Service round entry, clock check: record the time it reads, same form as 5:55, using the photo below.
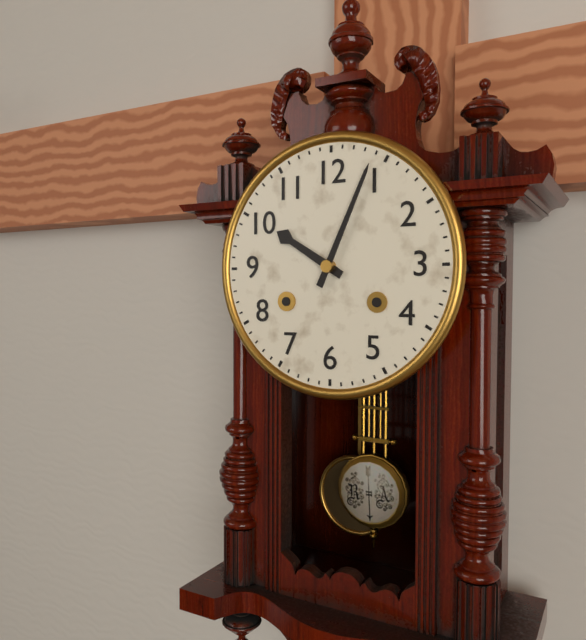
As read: 10:04
